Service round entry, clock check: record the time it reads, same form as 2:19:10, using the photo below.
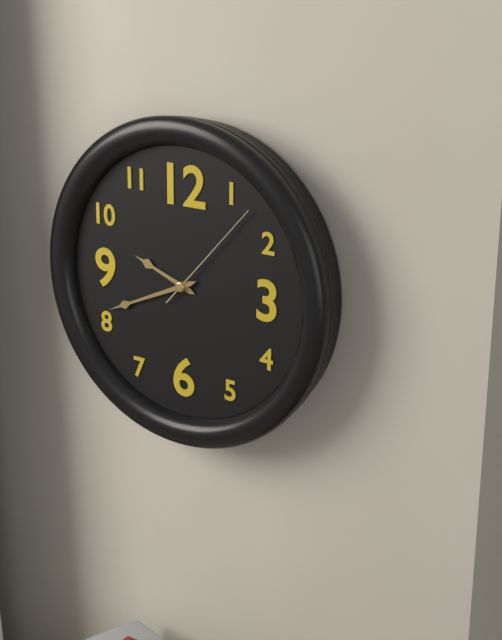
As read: 9:41:07
